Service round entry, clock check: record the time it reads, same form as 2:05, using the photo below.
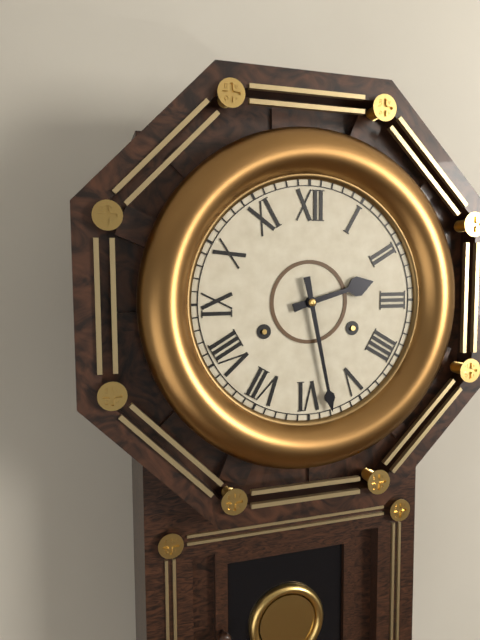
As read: 2:28
